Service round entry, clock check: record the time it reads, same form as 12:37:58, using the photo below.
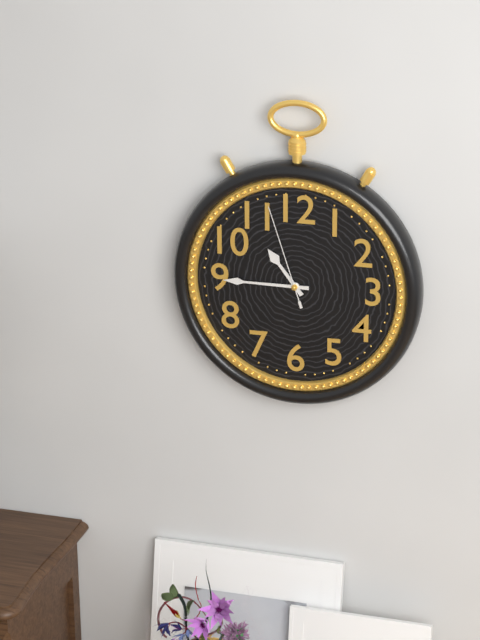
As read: 10:45:57
